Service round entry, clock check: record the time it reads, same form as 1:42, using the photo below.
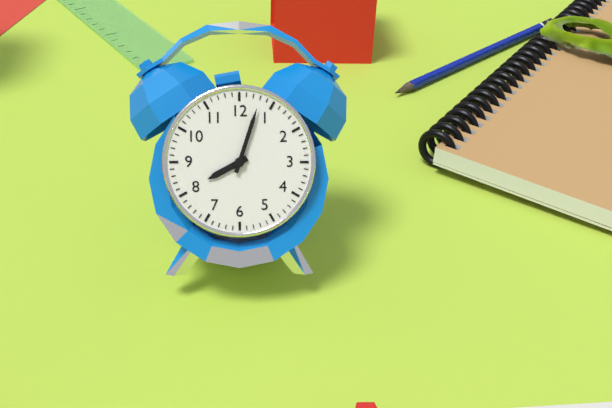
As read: 8:03
